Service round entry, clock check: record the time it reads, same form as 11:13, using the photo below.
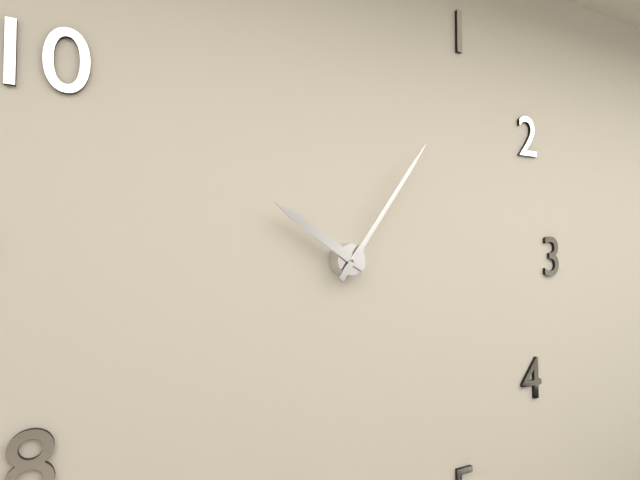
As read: 10:06
